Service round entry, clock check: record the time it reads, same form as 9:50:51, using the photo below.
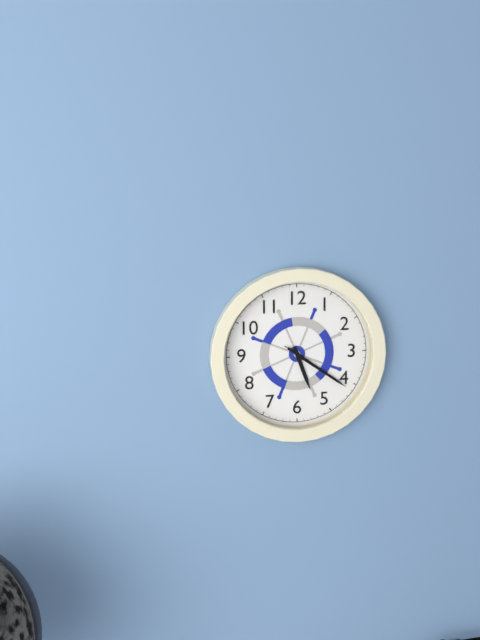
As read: 5:21:21
